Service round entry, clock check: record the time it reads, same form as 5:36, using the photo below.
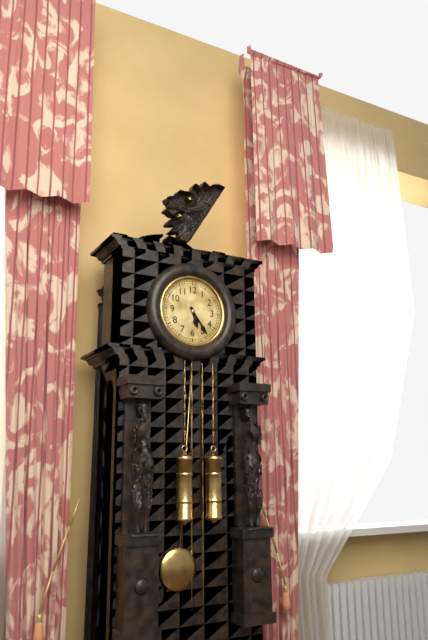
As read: 5:24
